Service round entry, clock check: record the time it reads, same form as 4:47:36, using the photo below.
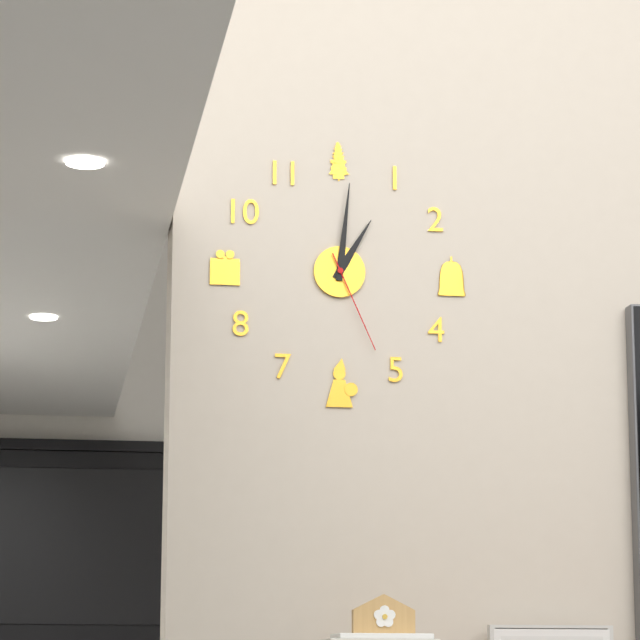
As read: 1:01:26
